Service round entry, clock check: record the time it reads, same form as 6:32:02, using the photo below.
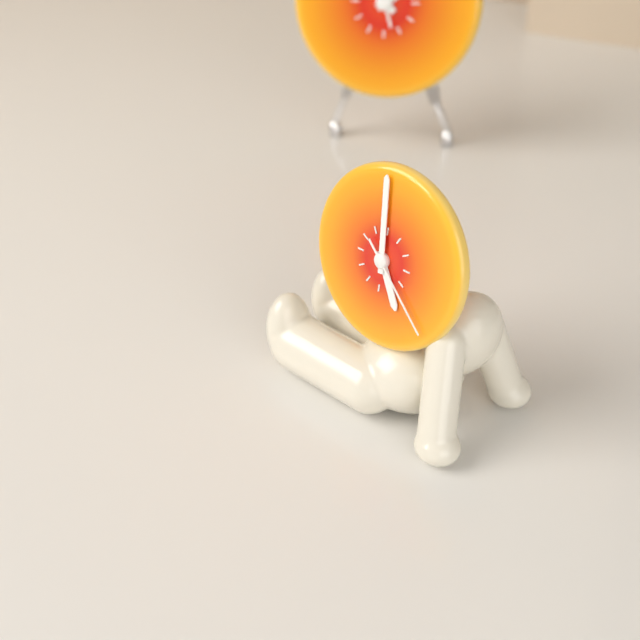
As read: 4:59:22
